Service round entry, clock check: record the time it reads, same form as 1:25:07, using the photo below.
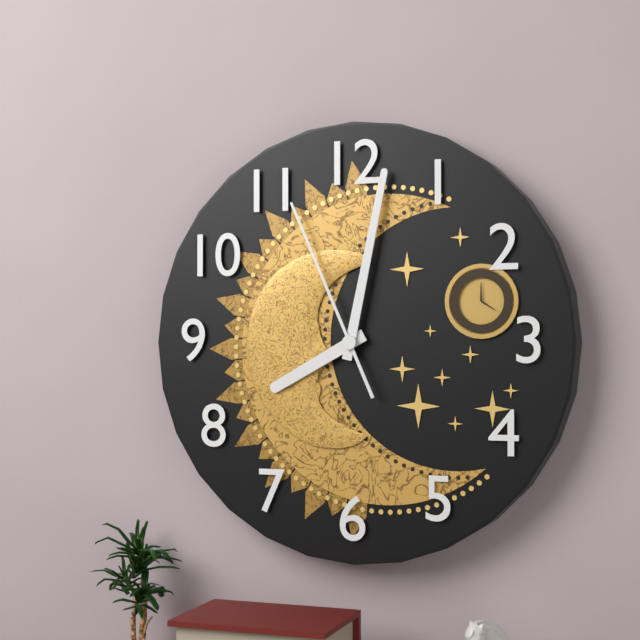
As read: 8:02:56
